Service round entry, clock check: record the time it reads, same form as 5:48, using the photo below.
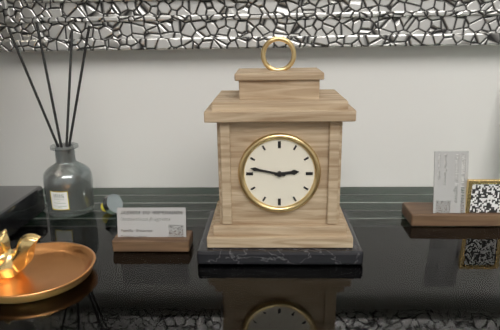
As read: 2:47
